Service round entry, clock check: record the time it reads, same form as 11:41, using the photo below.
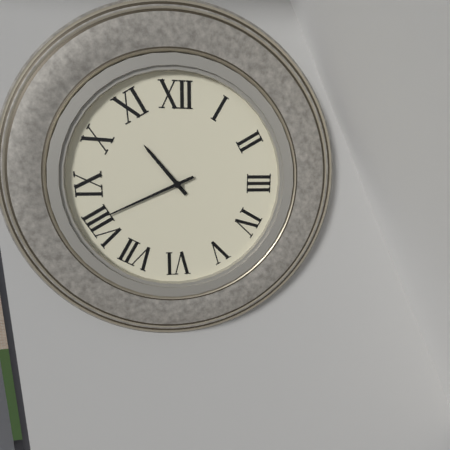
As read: 10:41
